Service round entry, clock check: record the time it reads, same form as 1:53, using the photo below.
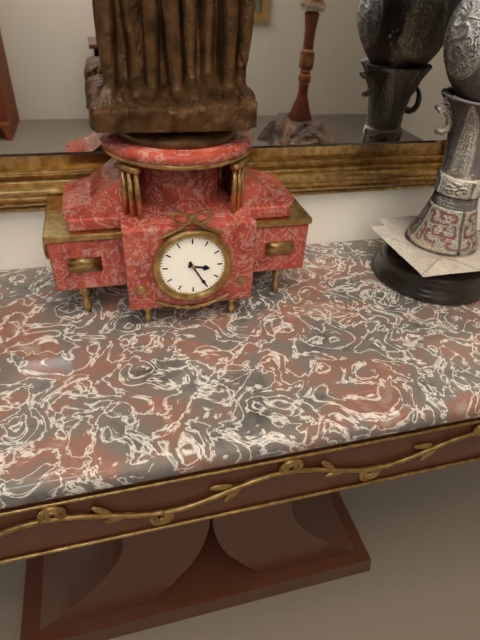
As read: 3:25
